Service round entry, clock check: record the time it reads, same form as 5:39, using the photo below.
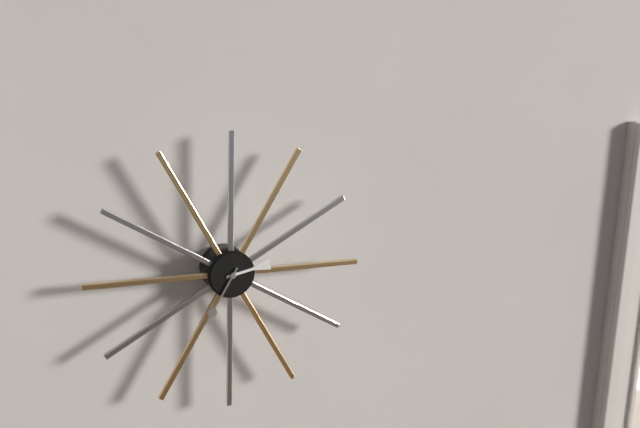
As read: 2:35
